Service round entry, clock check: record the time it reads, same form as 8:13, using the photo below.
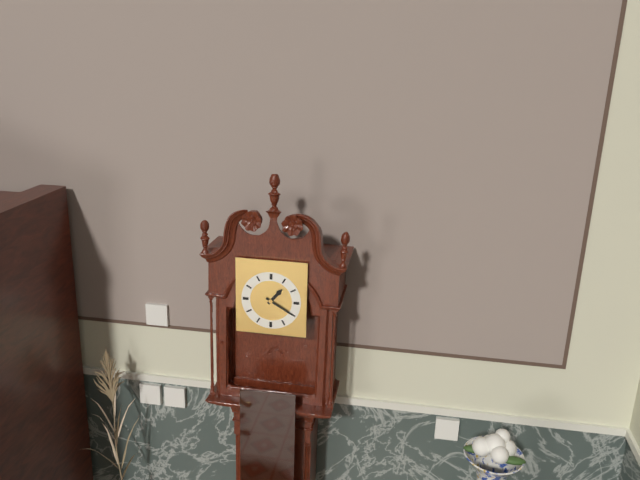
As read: 1:20
